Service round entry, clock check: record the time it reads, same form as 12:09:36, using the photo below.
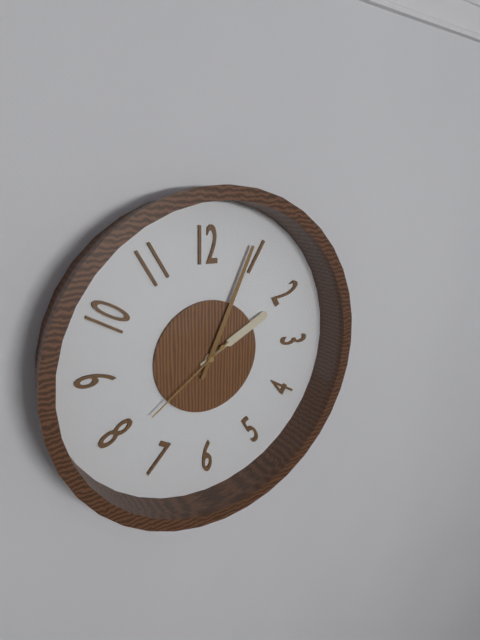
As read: 2:04:39
